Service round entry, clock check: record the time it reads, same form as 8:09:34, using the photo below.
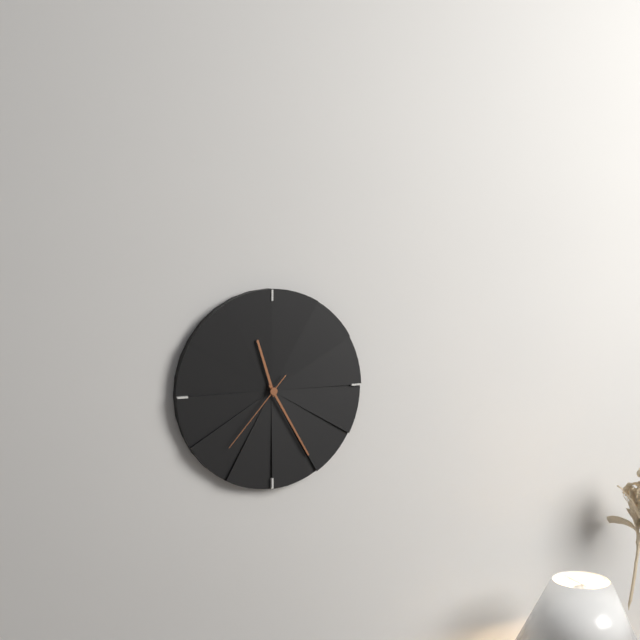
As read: 11:25:37
